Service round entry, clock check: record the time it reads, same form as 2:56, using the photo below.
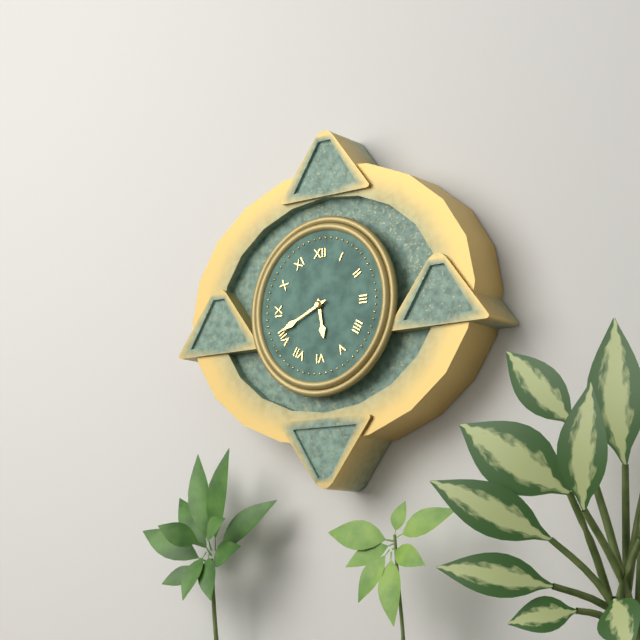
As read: 5:41
